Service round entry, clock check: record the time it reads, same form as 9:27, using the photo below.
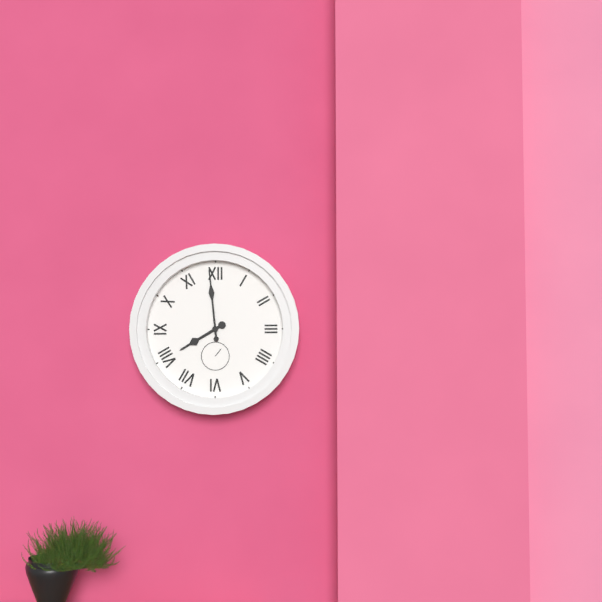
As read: 7:59
